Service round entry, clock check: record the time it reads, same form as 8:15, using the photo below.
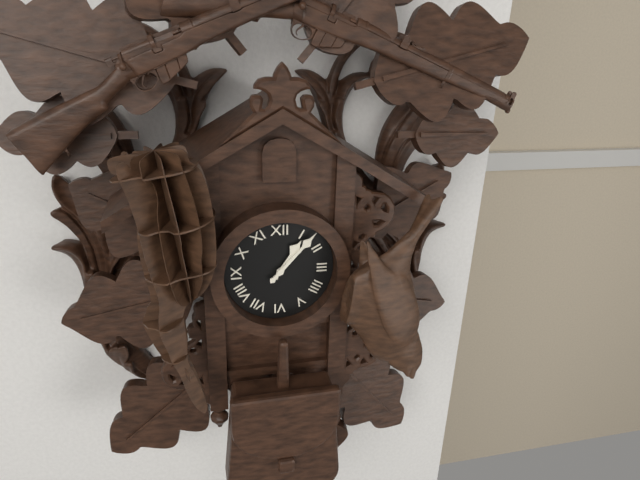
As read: 1:07
